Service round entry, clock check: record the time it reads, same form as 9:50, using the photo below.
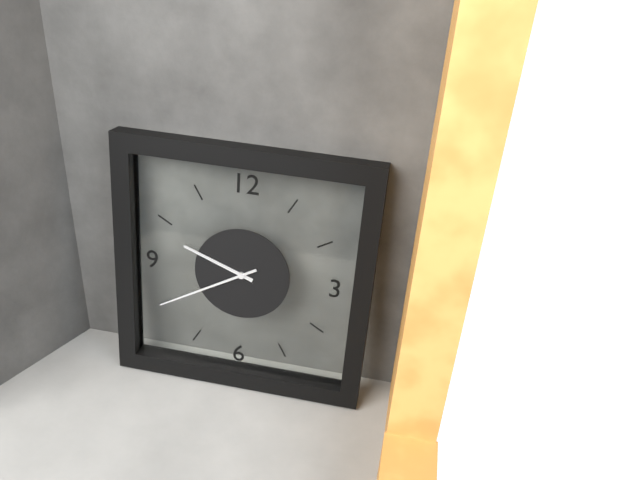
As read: 9:40
